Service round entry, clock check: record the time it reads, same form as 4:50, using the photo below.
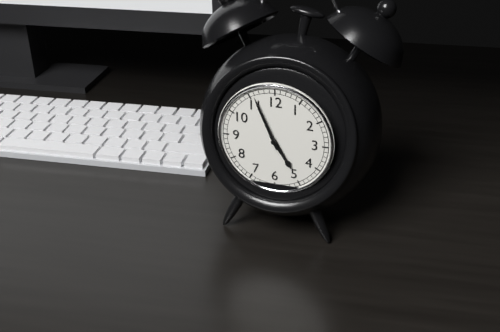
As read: 4:56
